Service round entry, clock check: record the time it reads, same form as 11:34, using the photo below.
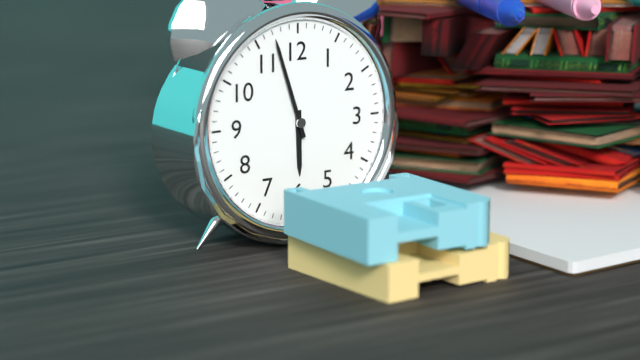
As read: 5:57
